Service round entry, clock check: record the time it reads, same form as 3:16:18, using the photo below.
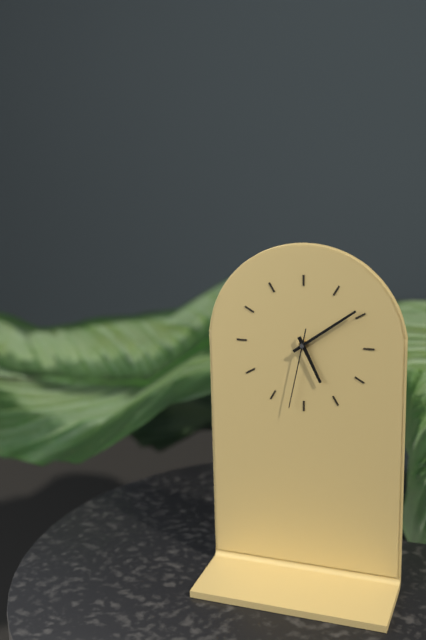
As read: 5:09:32
